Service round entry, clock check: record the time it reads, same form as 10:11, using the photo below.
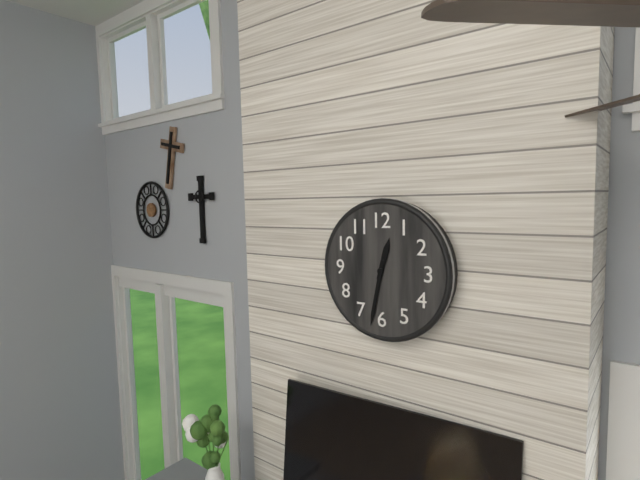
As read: 12:32
